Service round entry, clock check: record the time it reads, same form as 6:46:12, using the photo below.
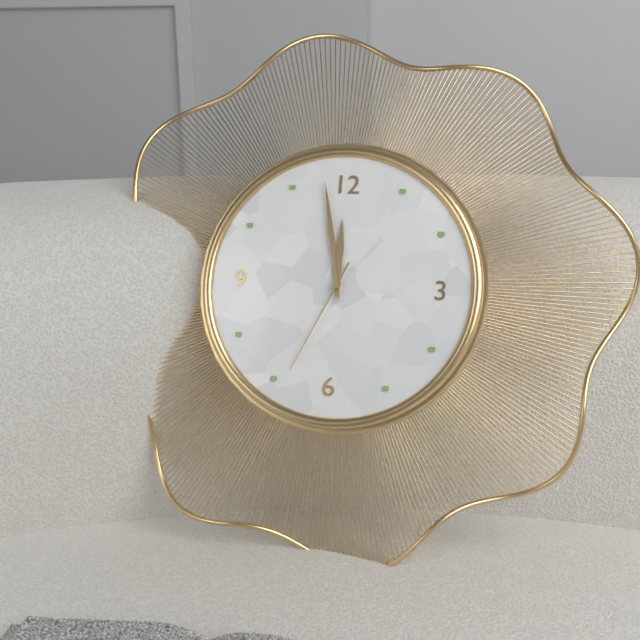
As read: 11:58:34
